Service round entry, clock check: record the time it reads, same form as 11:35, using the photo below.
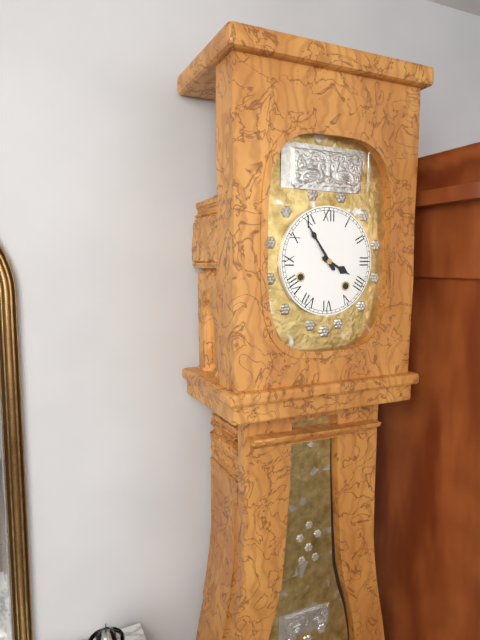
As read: 3:54
